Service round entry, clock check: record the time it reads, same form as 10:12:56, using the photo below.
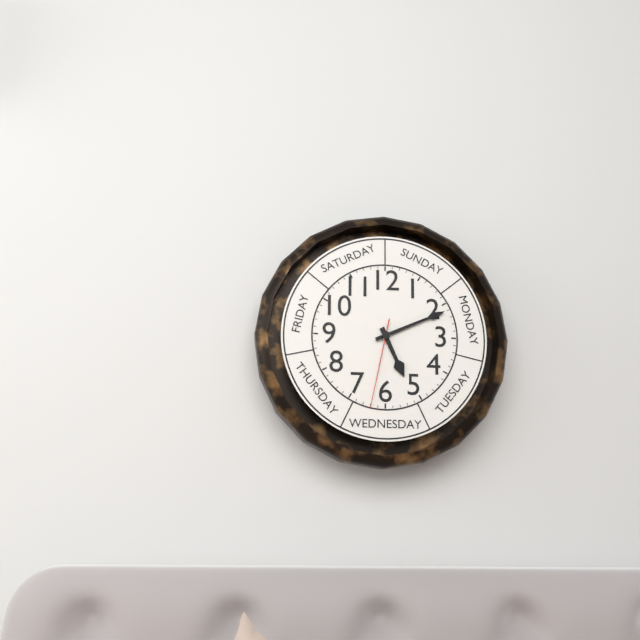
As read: 5:11:32
